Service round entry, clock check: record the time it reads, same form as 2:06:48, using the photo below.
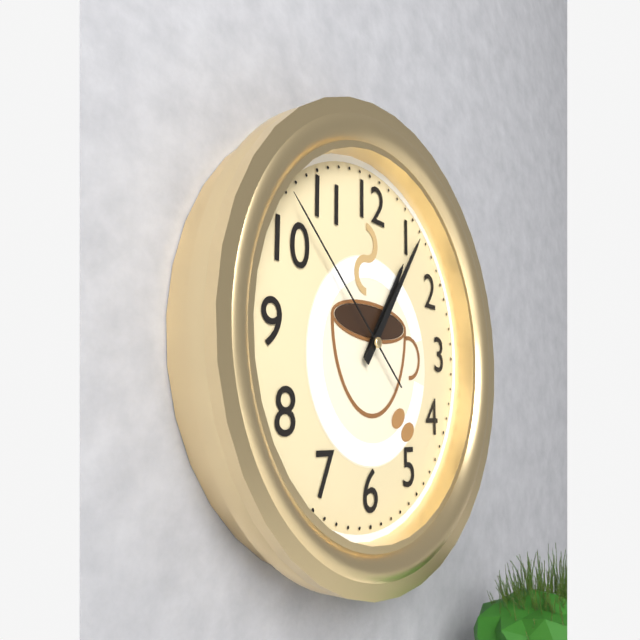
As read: 1:06:52
